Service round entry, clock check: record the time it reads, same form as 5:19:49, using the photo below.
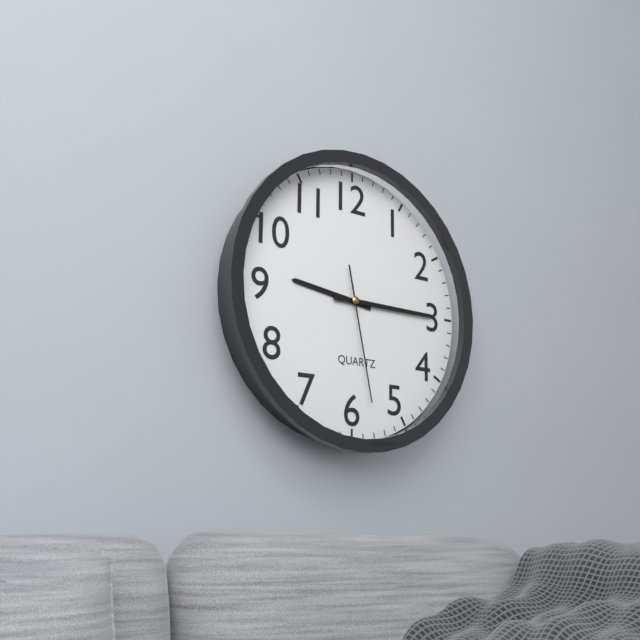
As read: 9:15:28
